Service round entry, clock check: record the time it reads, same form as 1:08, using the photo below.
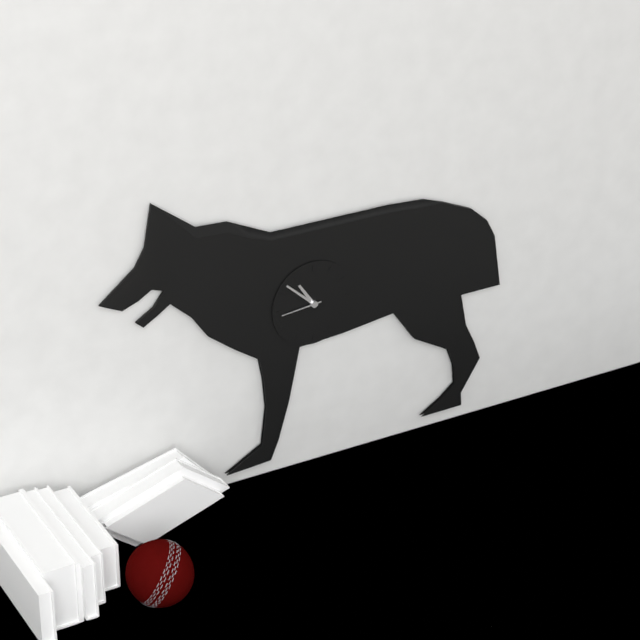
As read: 10:52
